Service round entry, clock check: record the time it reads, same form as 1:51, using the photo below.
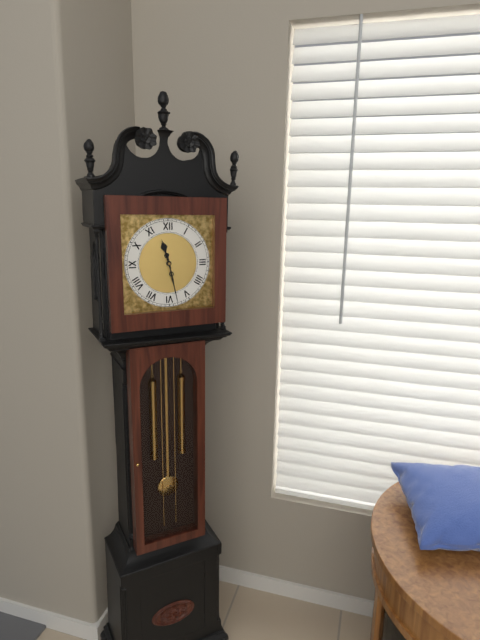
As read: 11:28
